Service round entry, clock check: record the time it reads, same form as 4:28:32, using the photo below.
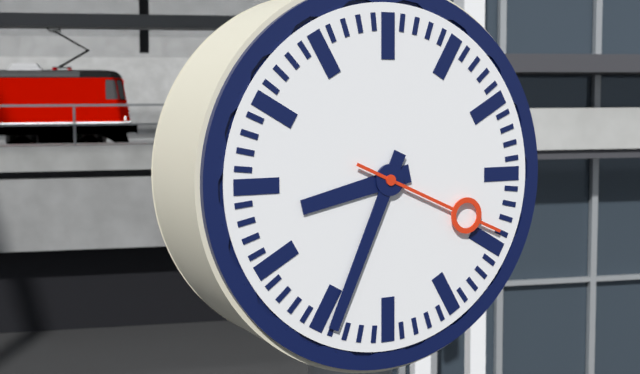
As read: 8:34:19
